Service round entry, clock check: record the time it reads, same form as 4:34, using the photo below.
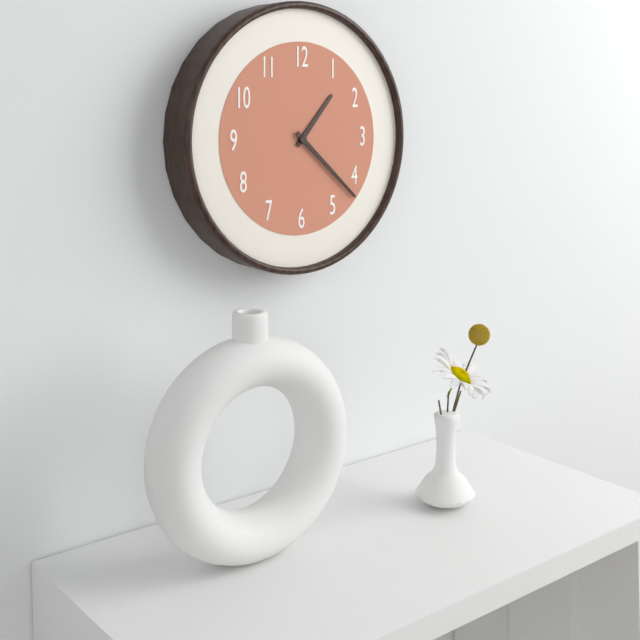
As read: 1:22
